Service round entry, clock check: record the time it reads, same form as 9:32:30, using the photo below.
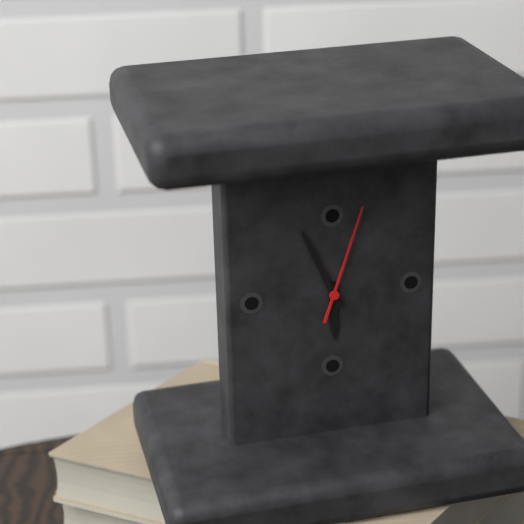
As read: 5:56:03
